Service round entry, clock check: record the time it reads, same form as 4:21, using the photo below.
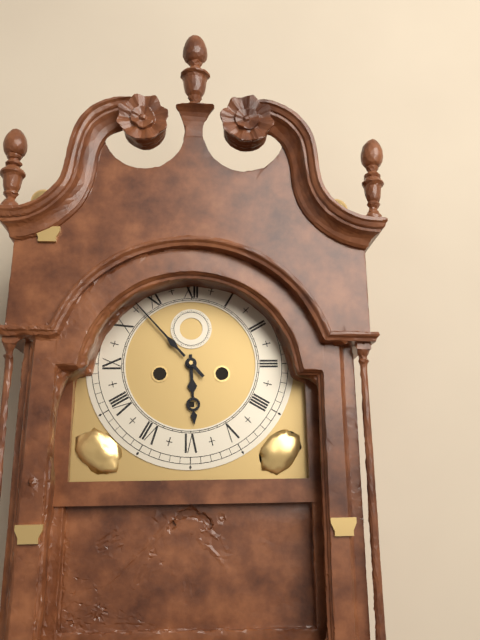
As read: 5:53
